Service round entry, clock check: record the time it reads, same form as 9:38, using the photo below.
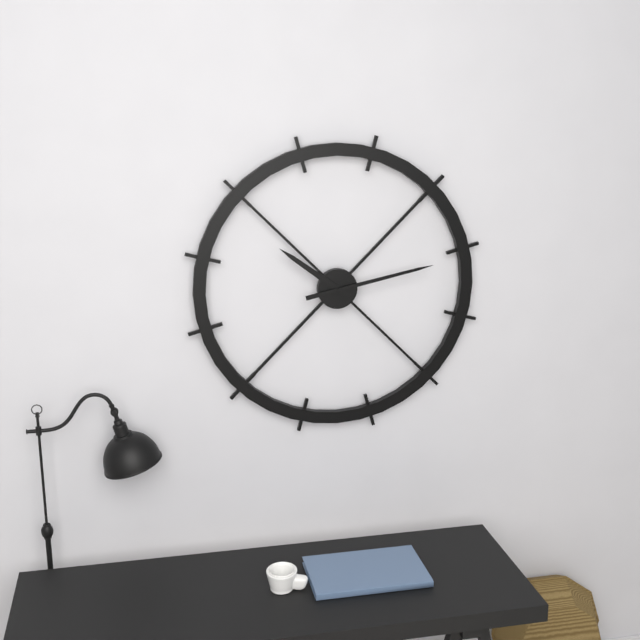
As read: 10:13
